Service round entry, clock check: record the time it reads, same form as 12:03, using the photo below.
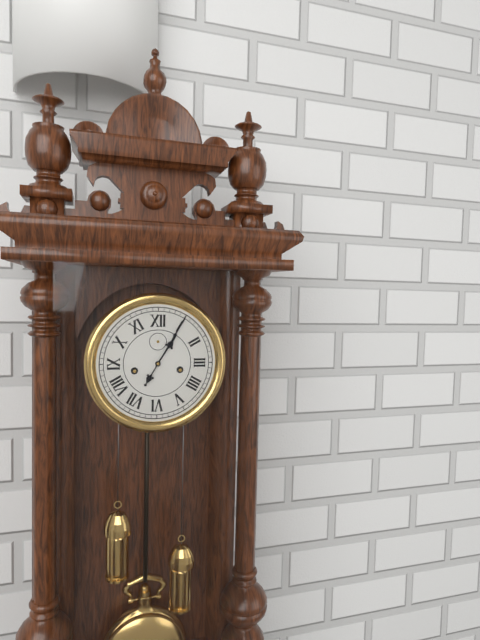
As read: 1:05
